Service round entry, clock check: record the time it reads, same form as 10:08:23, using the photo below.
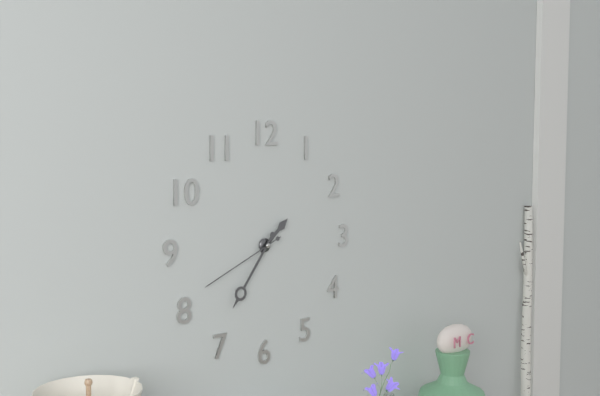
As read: 1:36:41
